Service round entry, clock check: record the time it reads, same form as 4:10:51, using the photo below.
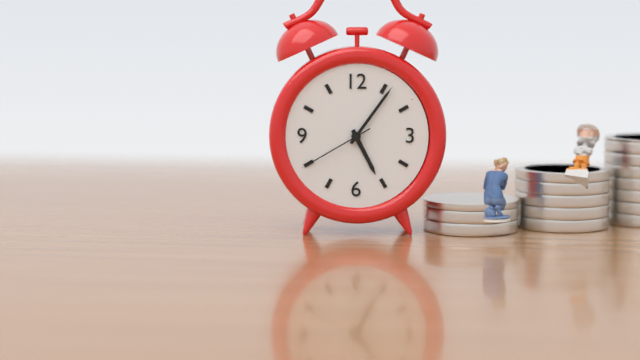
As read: 5:06:40
